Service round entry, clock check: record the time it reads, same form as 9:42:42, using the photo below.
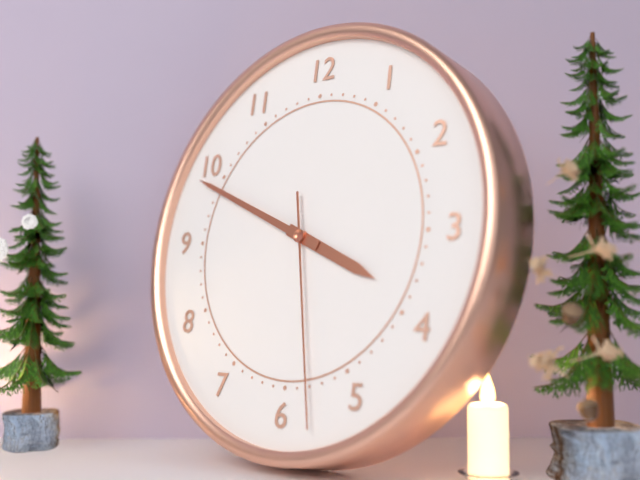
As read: 3:49:28
